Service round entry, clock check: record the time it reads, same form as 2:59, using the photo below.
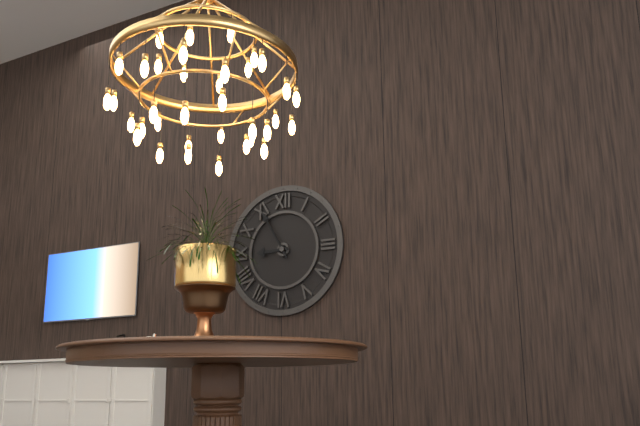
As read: 8:55
